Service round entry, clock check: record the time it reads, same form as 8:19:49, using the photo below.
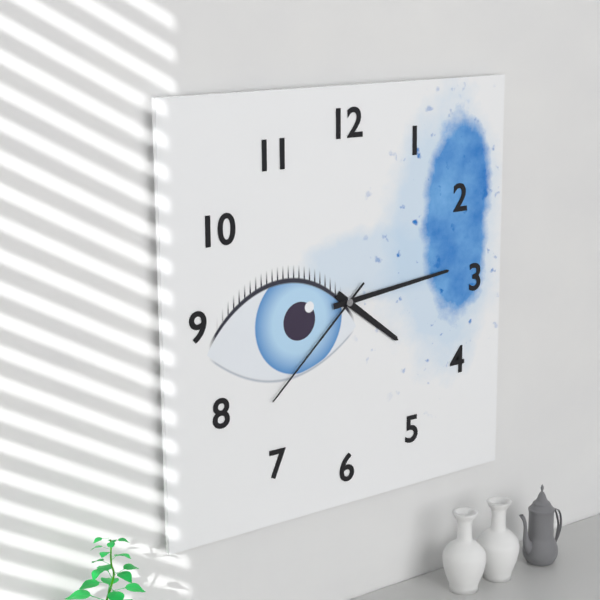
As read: 4:14:38
